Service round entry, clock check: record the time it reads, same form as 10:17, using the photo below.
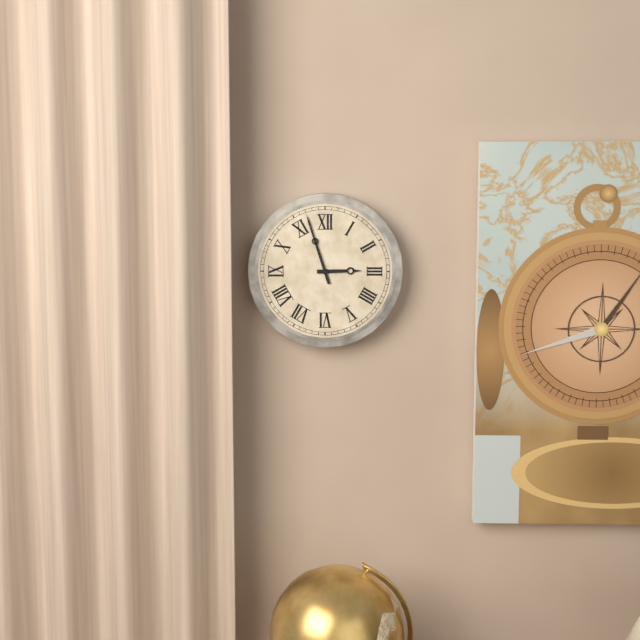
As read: 2:57
